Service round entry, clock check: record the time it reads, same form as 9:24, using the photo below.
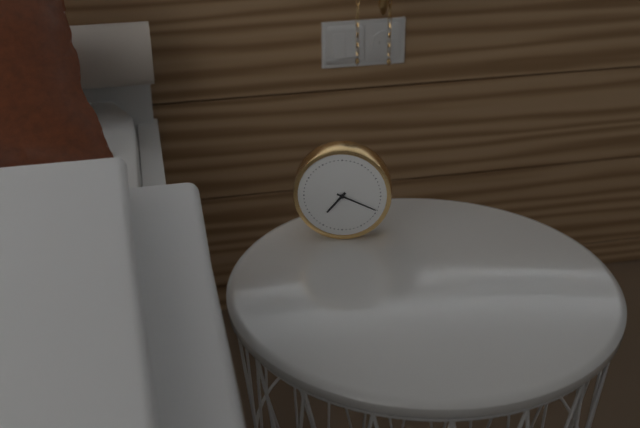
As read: 7:19
